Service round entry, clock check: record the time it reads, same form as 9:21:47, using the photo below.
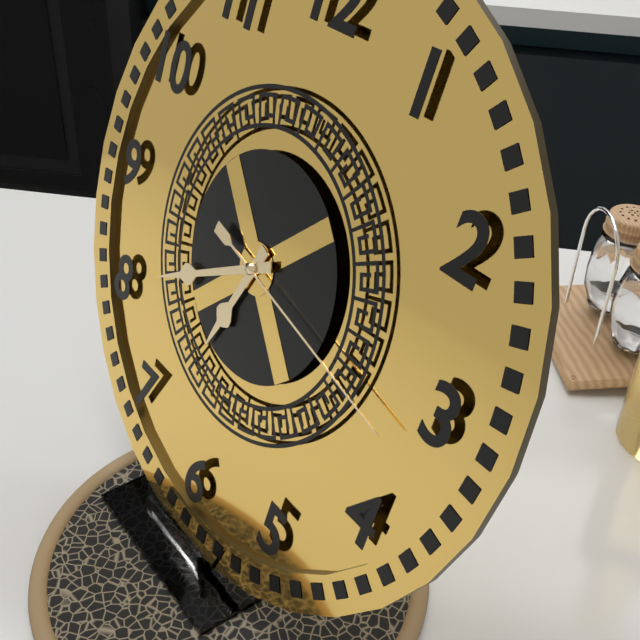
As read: 6:40:17
